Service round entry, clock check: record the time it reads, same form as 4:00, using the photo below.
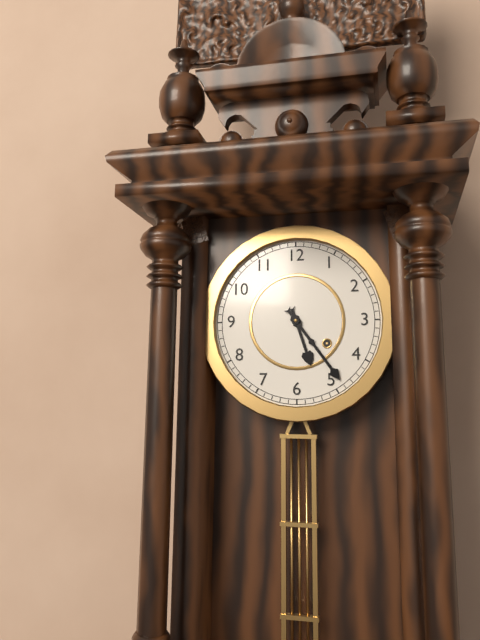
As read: 5:24
